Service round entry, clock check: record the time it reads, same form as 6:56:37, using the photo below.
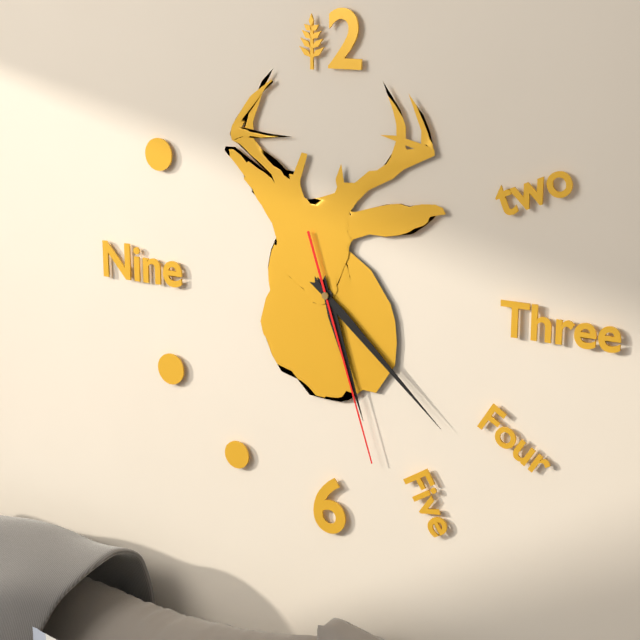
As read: 5:22:27
